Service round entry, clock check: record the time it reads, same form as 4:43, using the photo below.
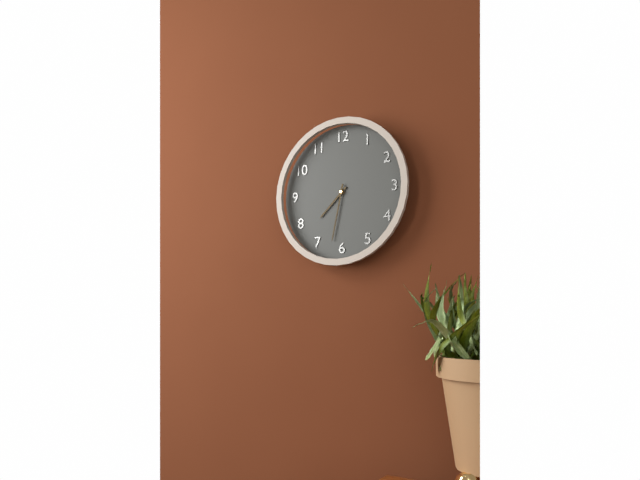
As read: 7:32
